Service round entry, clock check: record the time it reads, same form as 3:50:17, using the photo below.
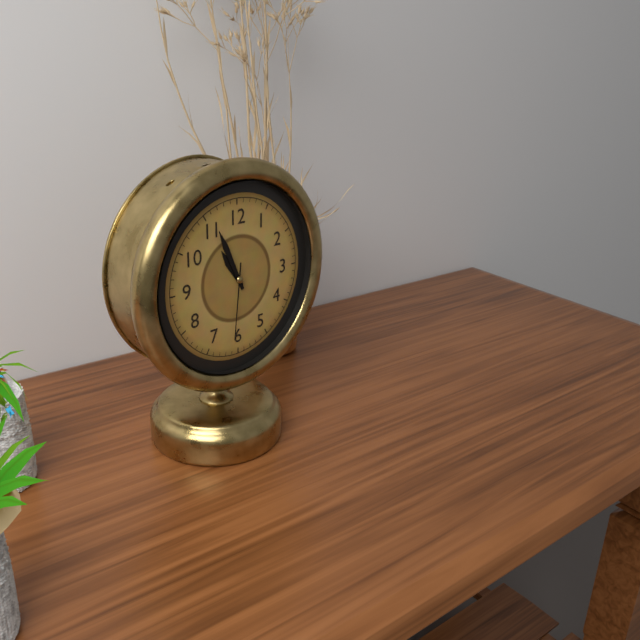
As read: 10:56:31
